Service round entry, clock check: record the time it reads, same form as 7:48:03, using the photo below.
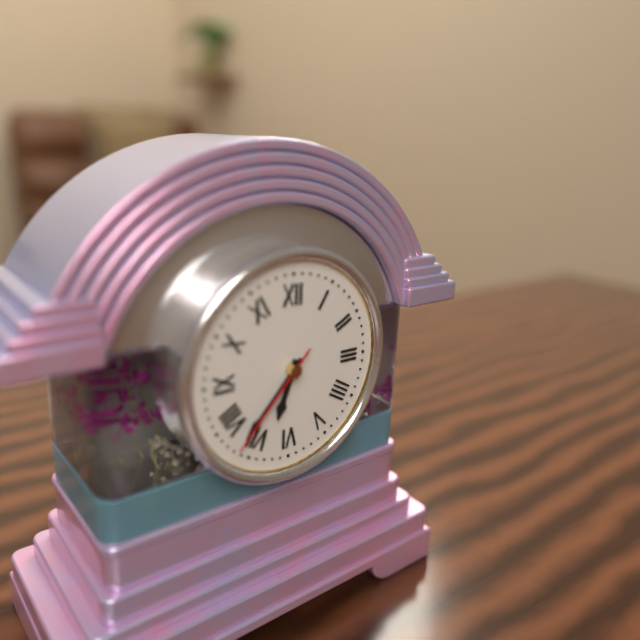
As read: 6:37:37
